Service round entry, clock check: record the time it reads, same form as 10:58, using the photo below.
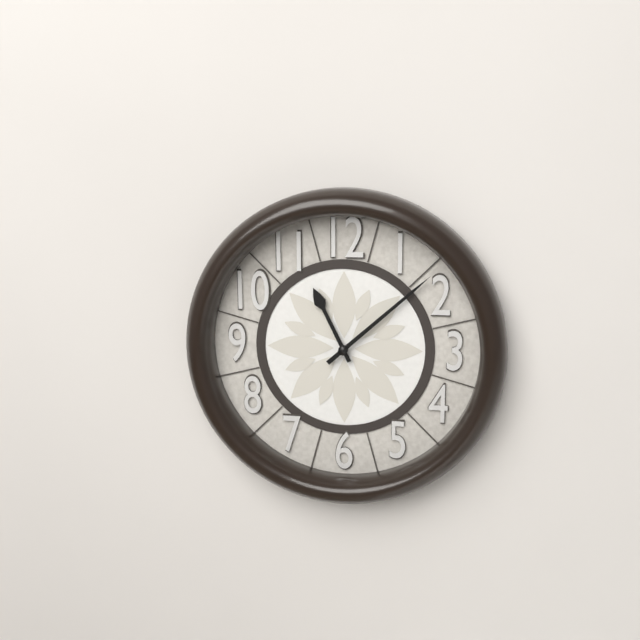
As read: 11:08
